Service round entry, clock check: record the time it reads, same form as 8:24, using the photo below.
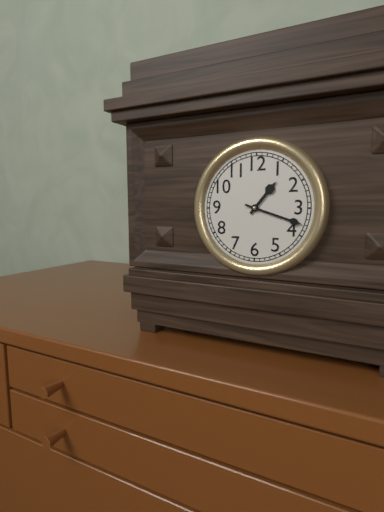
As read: 1:18
